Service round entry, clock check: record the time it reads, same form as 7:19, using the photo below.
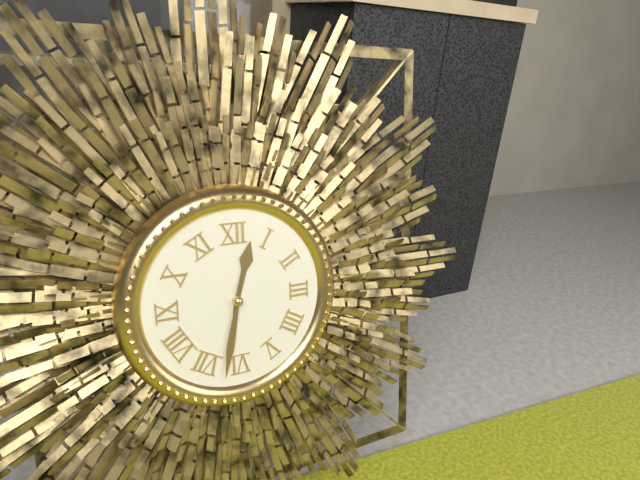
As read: 12:32
